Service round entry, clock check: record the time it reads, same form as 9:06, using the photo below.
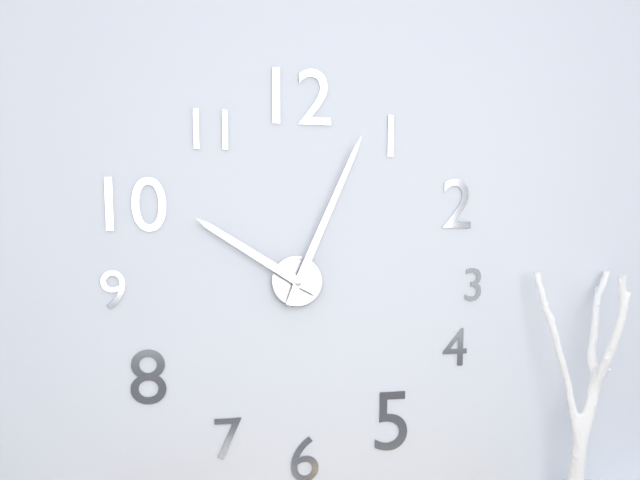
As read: 10:04
